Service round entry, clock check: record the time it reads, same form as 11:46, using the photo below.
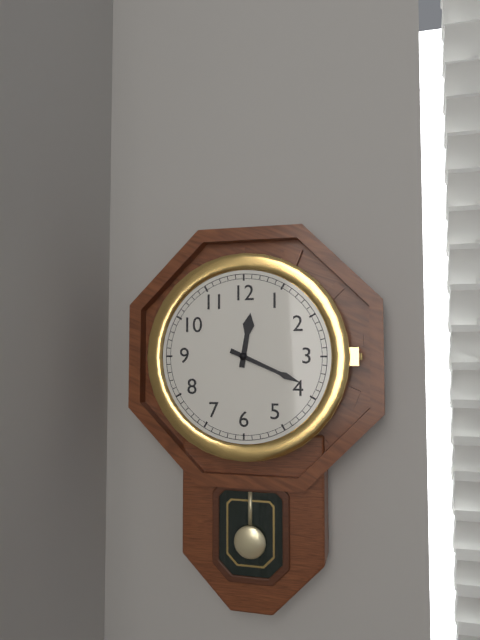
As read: 12:19
